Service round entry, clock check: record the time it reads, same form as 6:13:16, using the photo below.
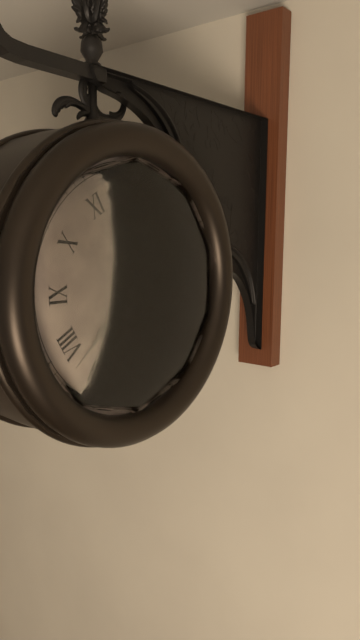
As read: 4:38:12
